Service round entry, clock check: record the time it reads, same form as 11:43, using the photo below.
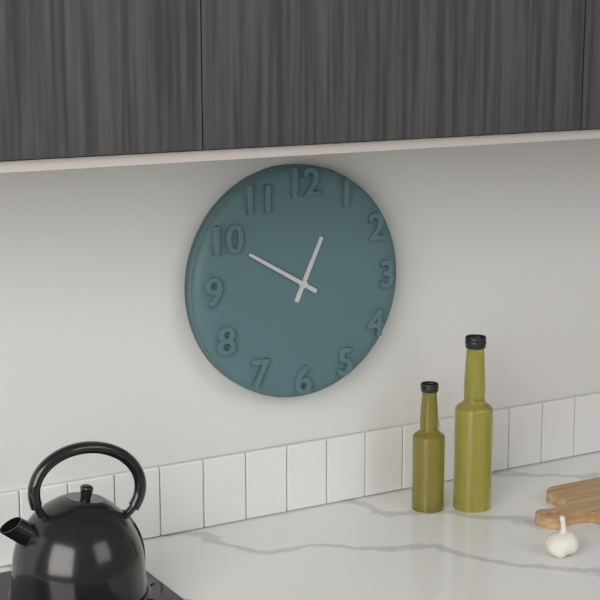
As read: 12:50
